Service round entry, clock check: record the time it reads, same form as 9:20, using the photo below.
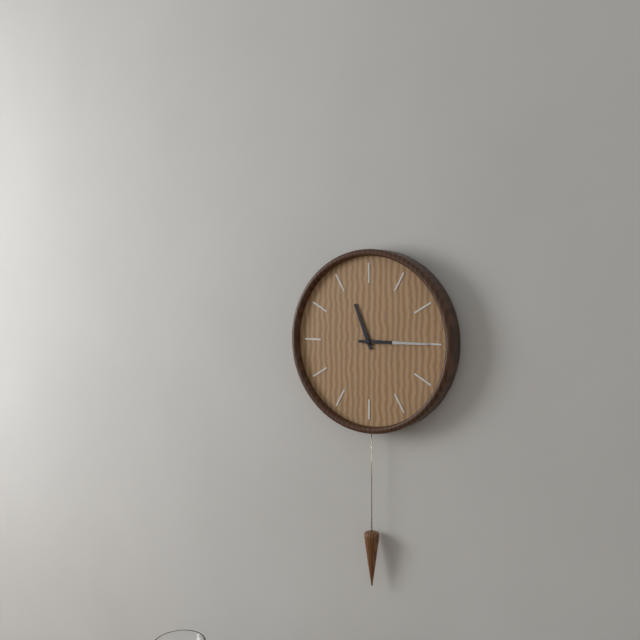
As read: 11:15
